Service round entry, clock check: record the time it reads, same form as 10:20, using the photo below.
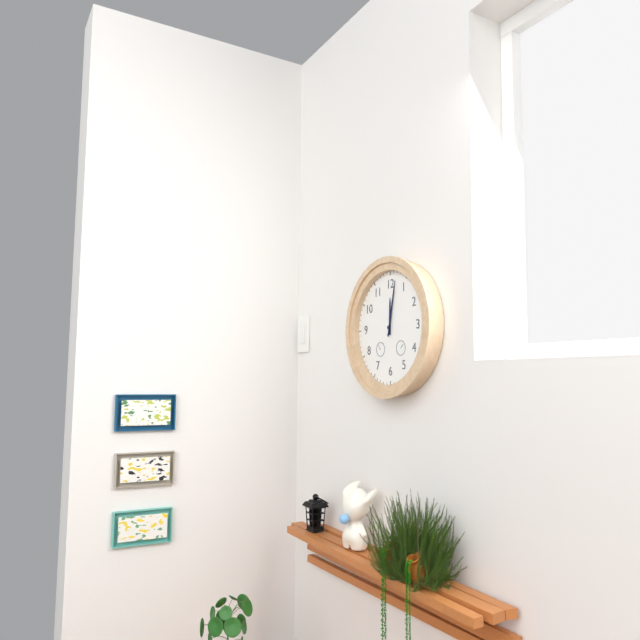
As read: 12:02
